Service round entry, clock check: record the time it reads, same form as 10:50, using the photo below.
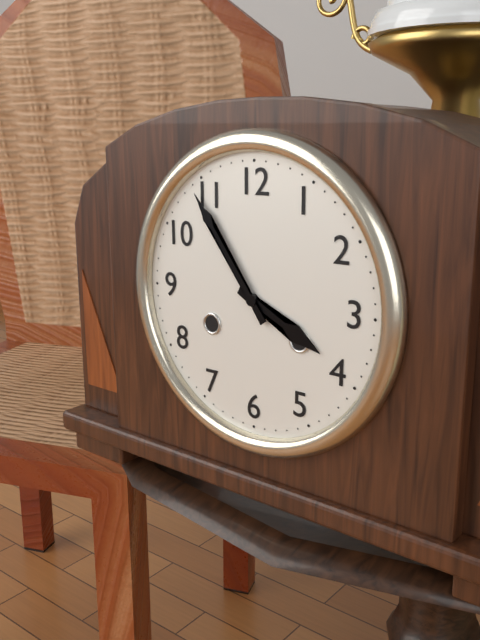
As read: 3:54
